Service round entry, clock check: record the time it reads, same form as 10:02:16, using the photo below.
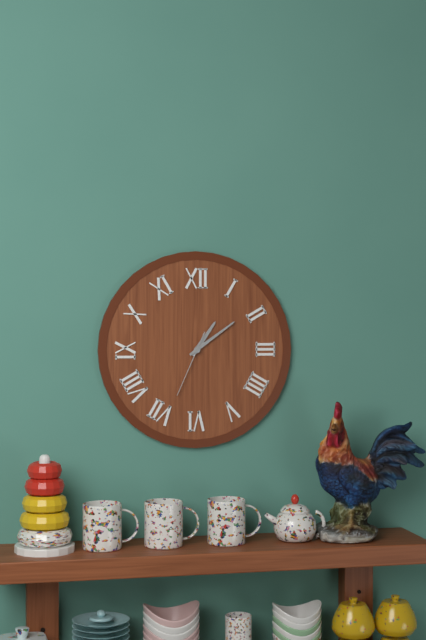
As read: 1:09:34
